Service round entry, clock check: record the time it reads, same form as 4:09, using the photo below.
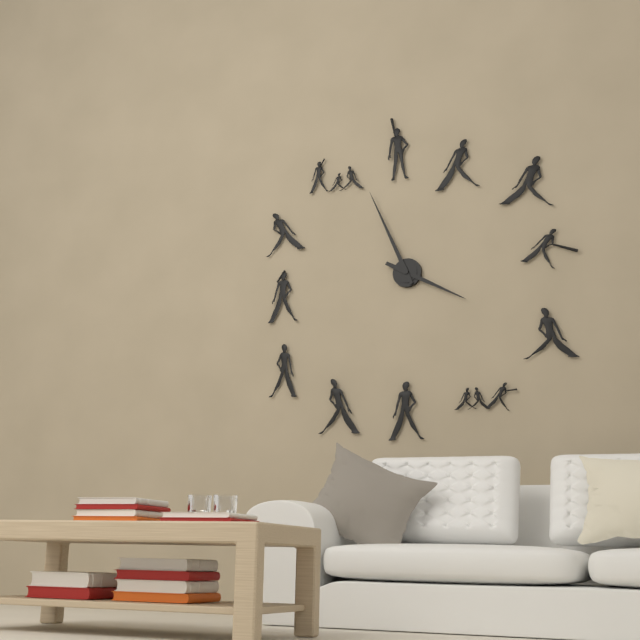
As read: 3:56
